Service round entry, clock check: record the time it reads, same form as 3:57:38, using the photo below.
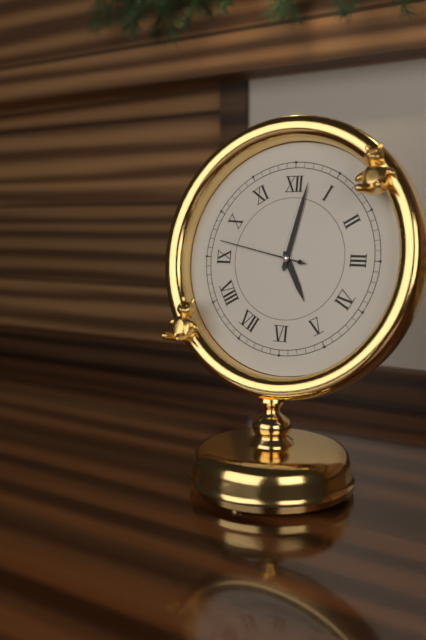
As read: 5:02:47
